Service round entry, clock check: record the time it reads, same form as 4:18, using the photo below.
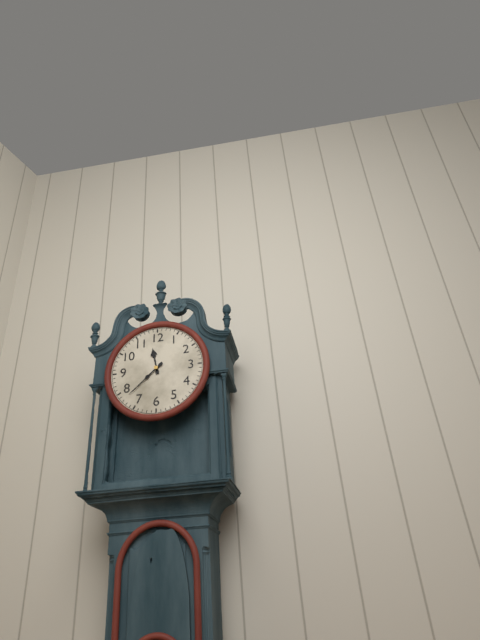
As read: 11:38
